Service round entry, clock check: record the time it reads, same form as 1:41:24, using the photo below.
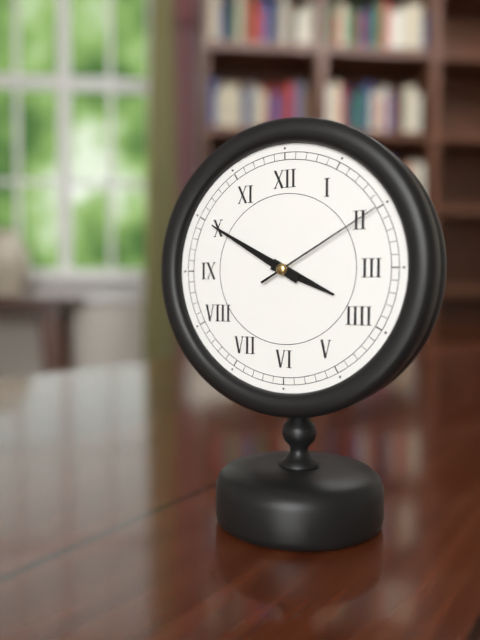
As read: 3:50:10
